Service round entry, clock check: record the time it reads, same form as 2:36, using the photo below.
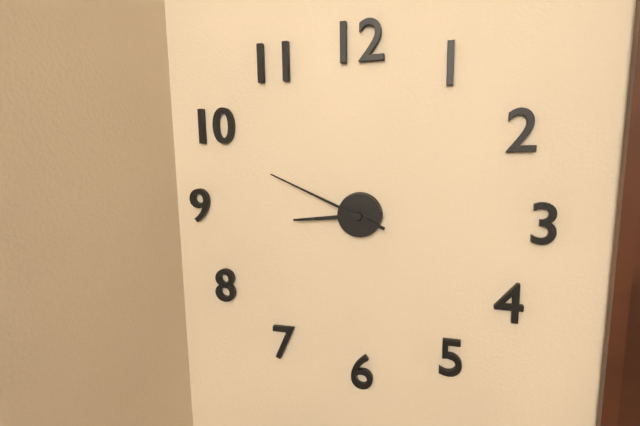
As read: 8:49
